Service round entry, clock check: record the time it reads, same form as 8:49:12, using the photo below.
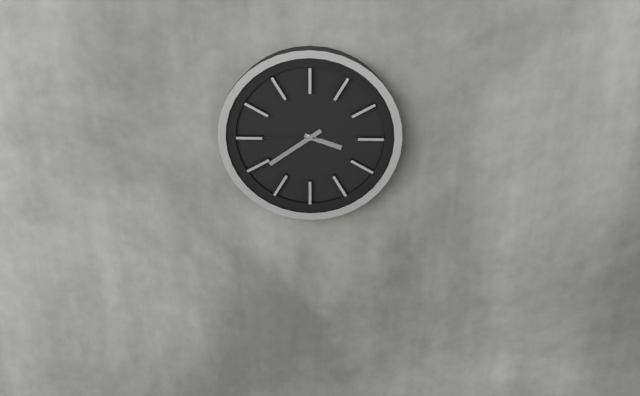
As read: 3:39:45
